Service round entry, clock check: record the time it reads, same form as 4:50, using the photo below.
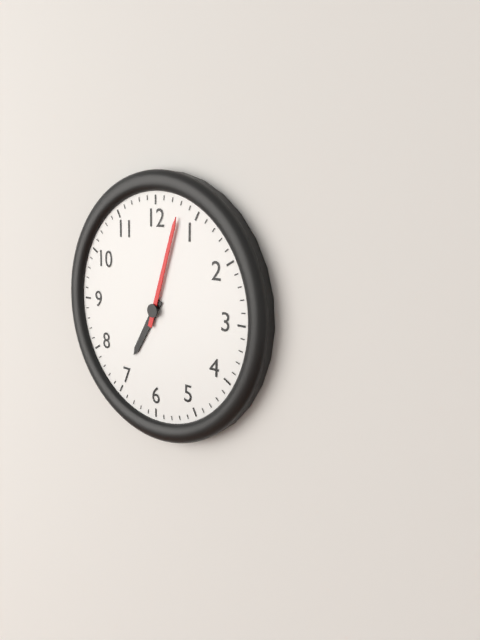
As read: 7:03
